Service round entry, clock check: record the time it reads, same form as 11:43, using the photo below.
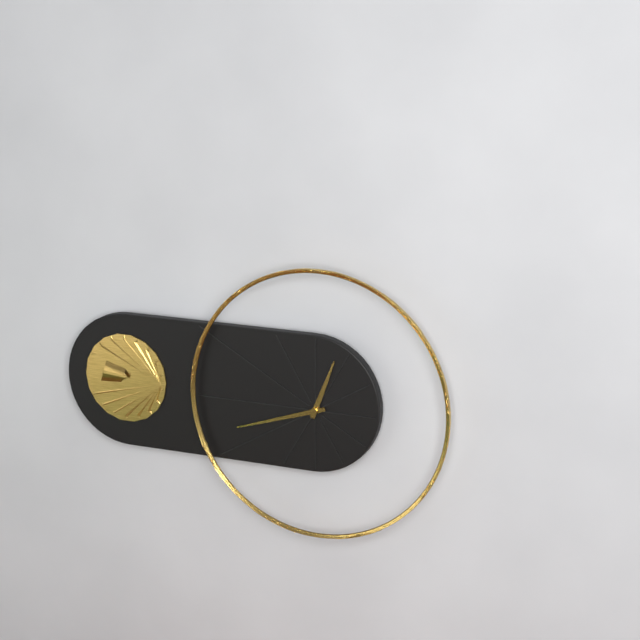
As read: 12:42
